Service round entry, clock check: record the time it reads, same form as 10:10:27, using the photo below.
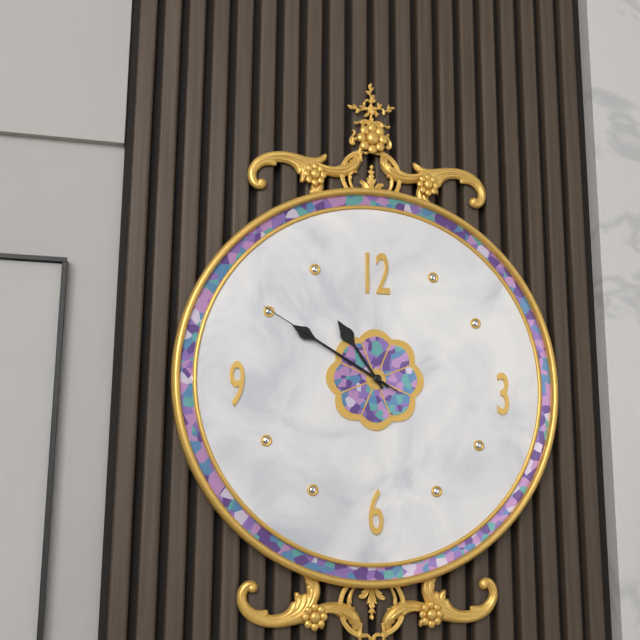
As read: 10:50:50
